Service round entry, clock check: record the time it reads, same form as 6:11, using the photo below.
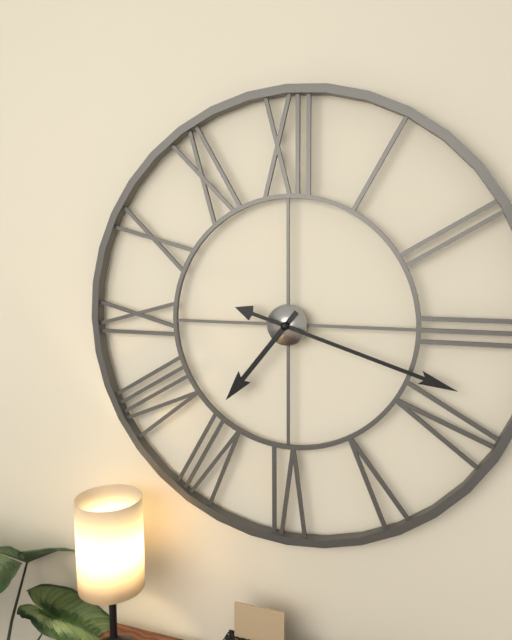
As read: 7:18
